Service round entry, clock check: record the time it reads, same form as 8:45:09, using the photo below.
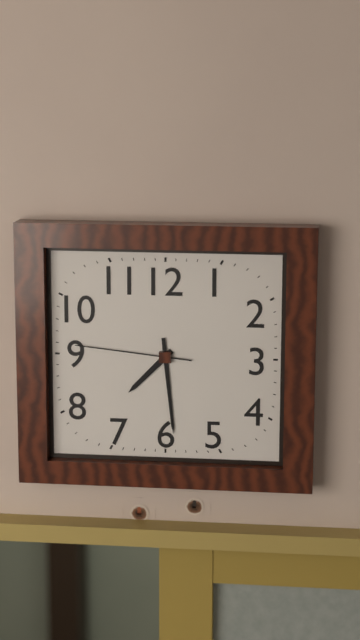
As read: 7:29:46
